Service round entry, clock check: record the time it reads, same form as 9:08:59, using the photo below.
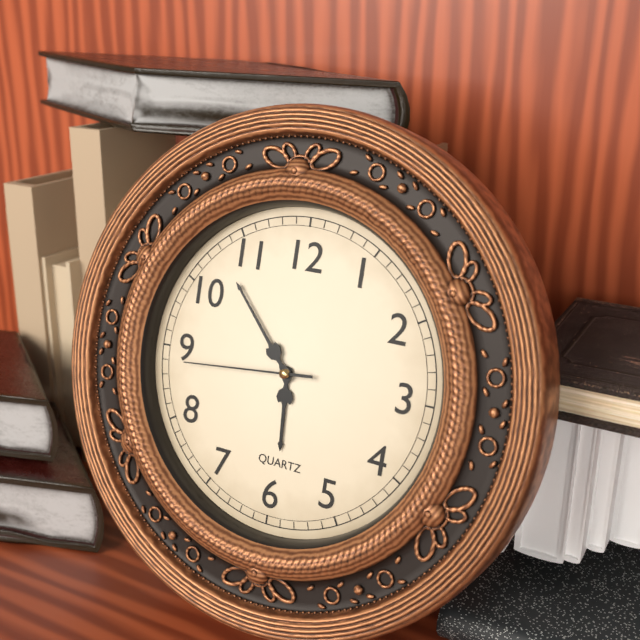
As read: 5:53:44
